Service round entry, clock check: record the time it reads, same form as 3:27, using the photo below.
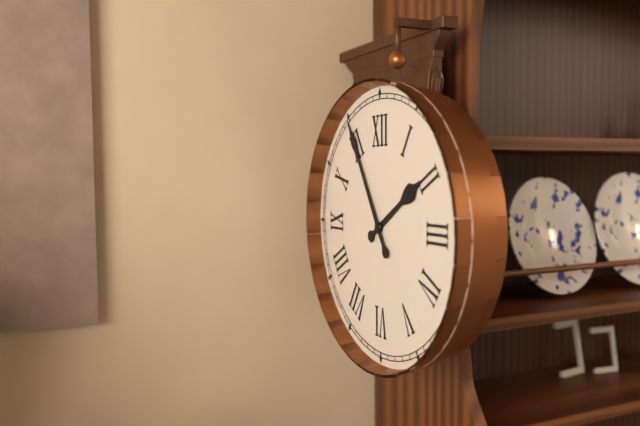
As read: 1:55
